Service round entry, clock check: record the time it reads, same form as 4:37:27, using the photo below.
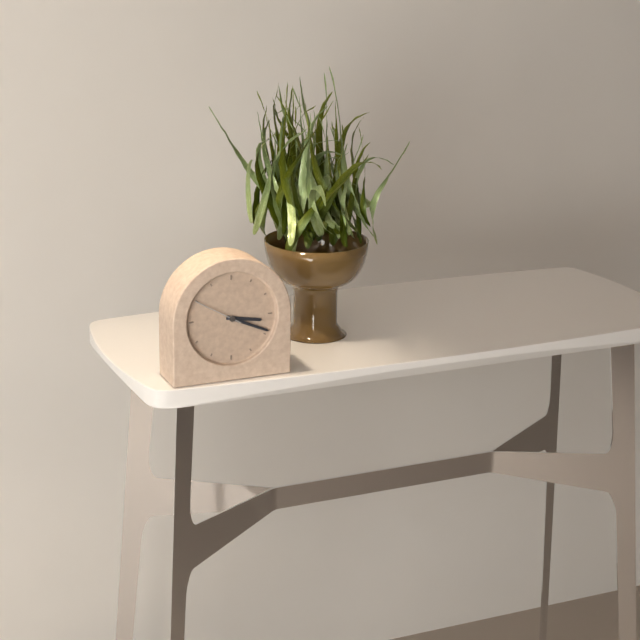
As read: 3:19:50
